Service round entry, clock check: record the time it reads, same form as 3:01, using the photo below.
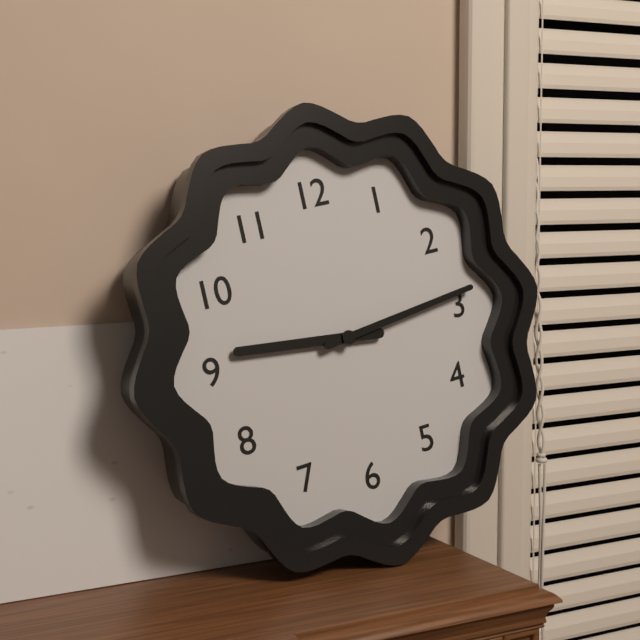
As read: 9:14
